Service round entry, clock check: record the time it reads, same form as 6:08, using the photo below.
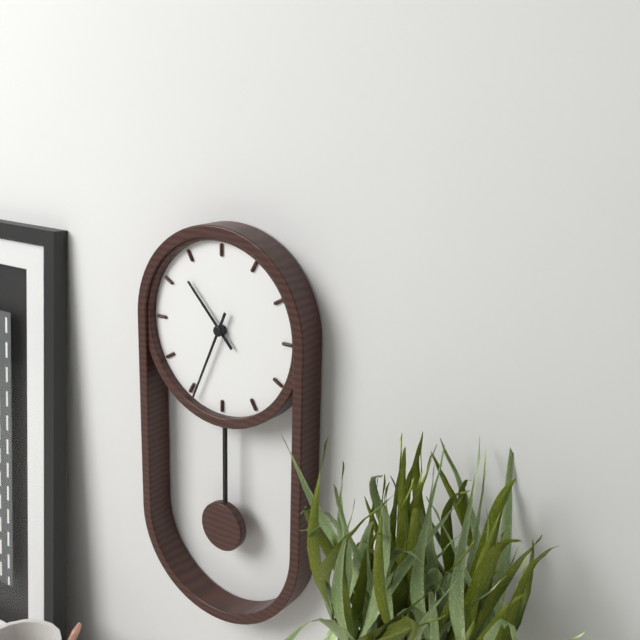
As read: 10:34
